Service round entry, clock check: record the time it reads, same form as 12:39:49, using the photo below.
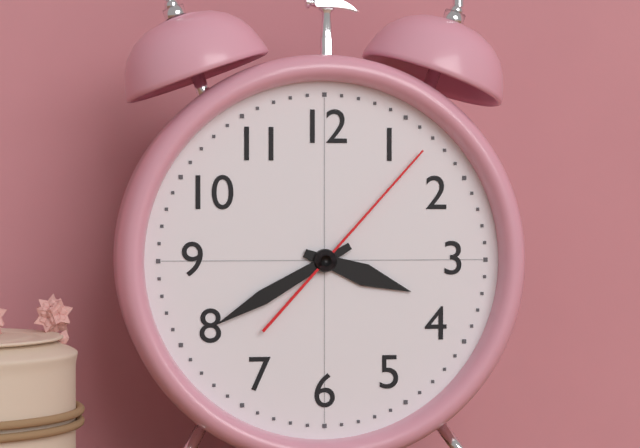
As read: 3:40:07
